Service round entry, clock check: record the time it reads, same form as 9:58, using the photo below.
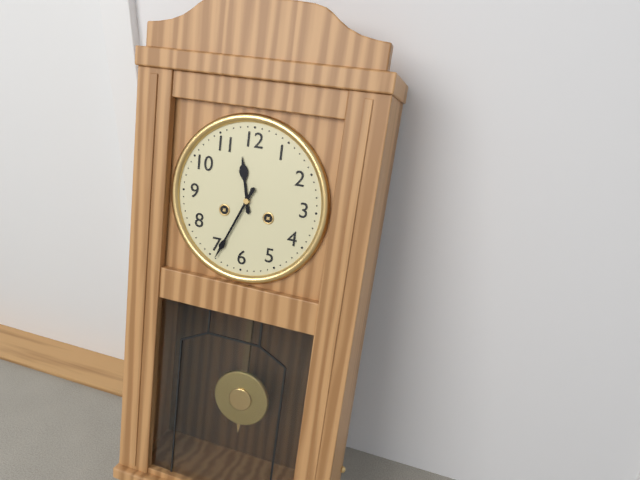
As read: 11:34
